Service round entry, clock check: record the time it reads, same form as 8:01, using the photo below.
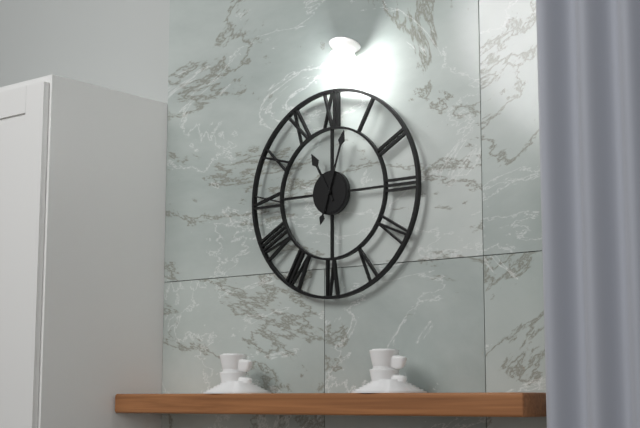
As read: 11:03
